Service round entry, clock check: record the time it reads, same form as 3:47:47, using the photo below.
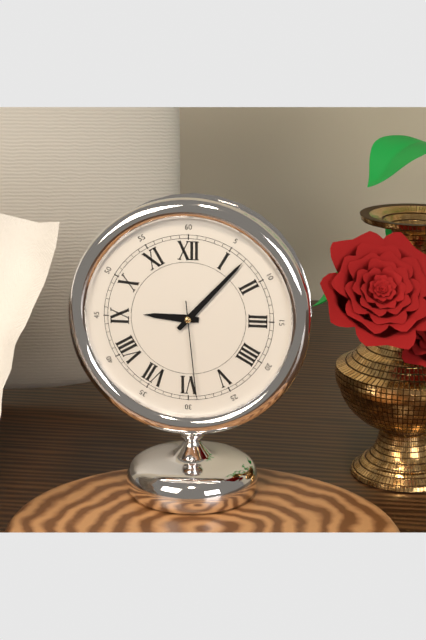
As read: 9:07:29
